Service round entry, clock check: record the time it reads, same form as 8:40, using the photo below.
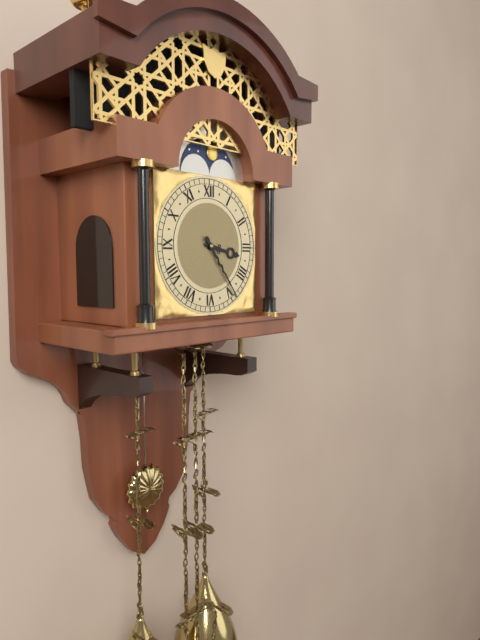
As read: 3:24
